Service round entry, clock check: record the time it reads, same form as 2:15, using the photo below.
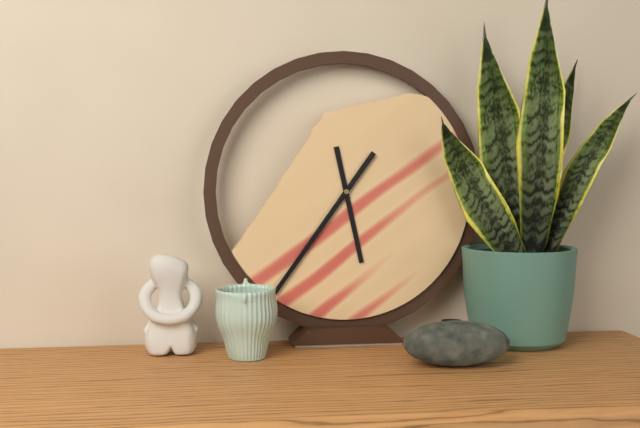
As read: 5:36
